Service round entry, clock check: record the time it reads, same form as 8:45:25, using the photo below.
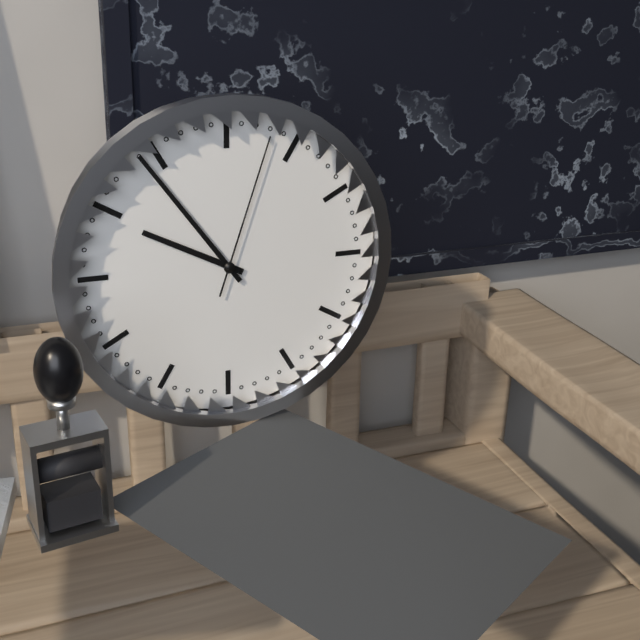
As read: 9:54:03
